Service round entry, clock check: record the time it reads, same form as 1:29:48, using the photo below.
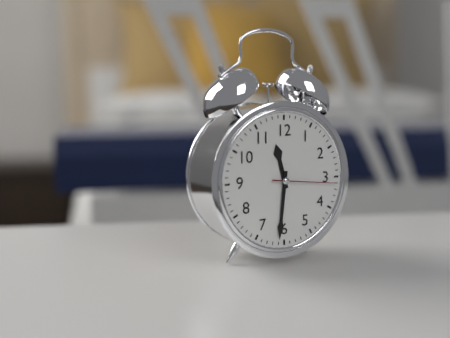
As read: 11:31:16
